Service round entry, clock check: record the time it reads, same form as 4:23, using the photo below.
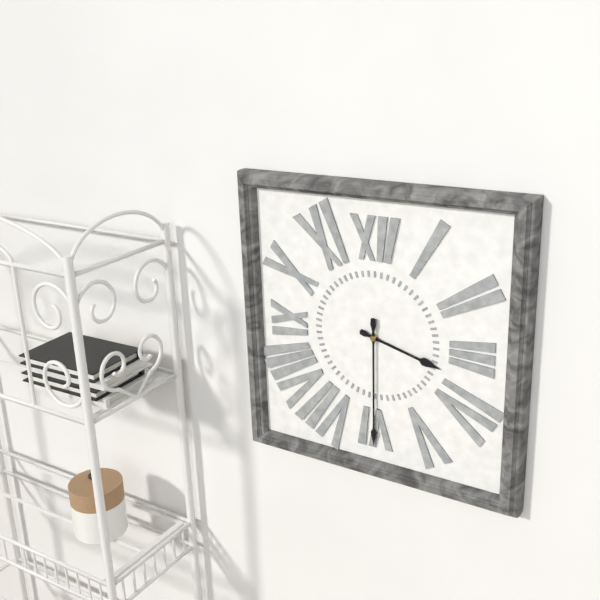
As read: 3:30
